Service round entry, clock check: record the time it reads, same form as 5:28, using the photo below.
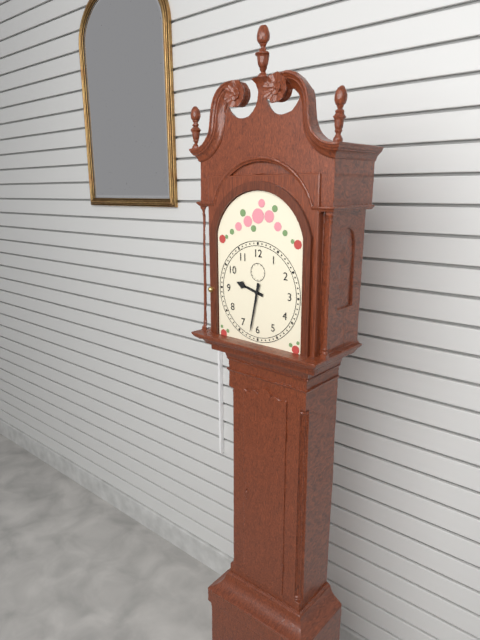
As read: 9:32
